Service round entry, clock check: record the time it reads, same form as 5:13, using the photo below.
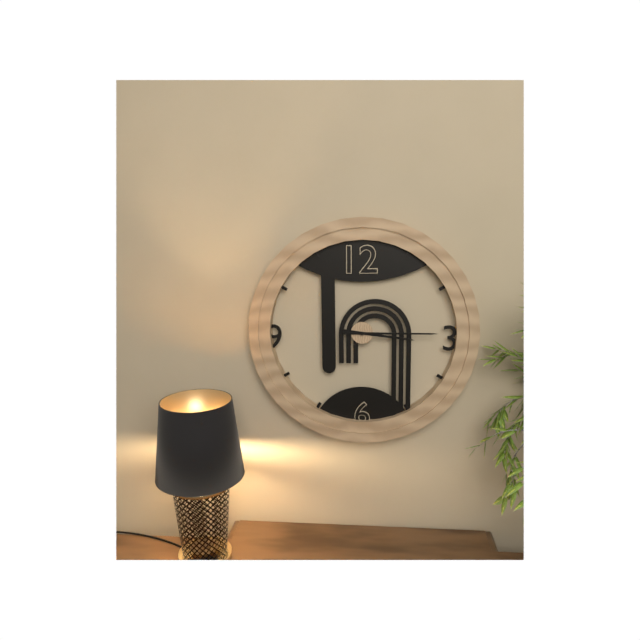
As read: 3:15
